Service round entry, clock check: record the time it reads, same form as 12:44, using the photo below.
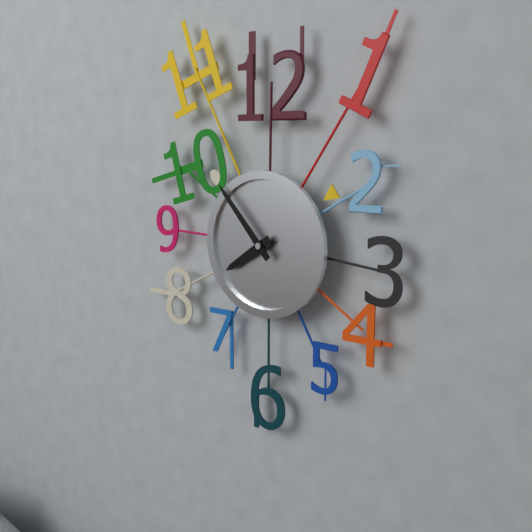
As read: 7:53
